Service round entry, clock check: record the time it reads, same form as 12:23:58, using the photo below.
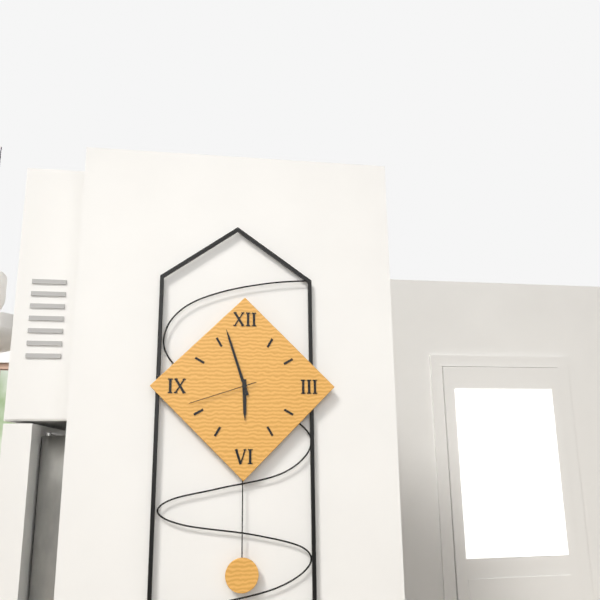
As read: 5:57:42
